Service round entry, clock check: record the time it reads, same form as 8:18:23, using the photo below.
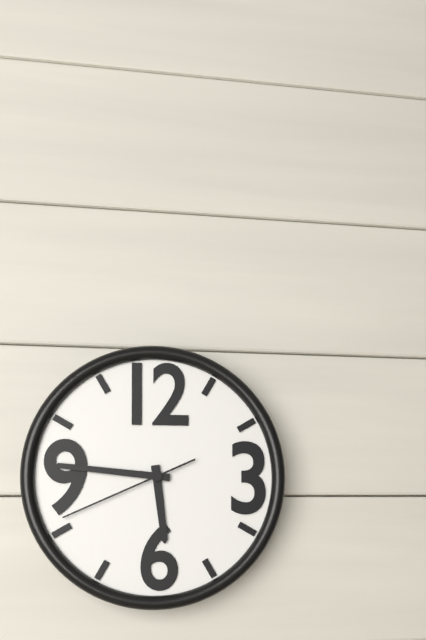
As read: 5:46:41
